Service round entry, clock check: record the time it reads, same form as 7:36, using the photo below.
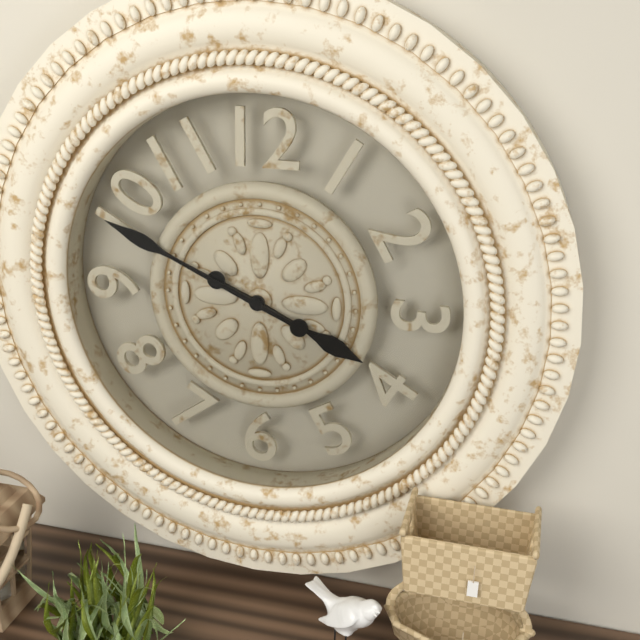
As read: 3:49
